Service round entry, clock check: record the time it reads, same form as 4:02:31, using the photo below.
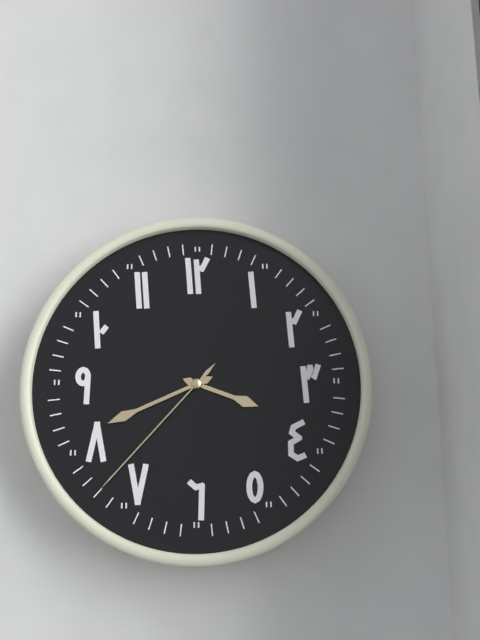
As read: 3:41:37
